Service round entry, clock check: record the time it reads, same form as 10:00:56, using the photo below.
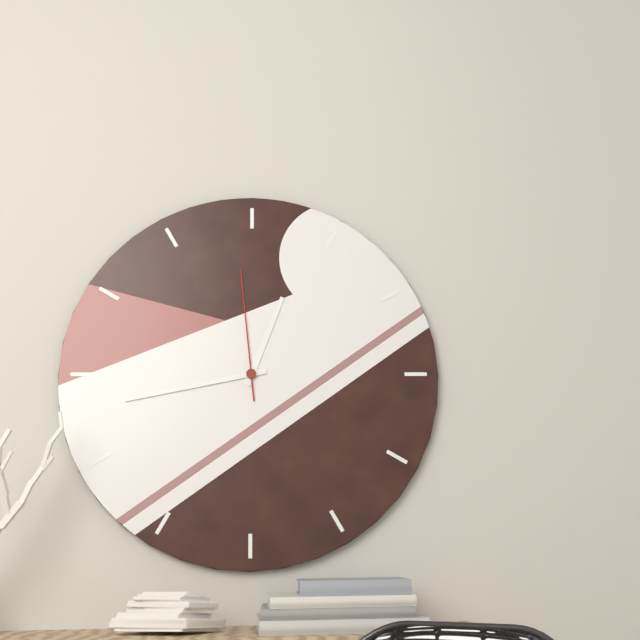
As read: 12:43:59
